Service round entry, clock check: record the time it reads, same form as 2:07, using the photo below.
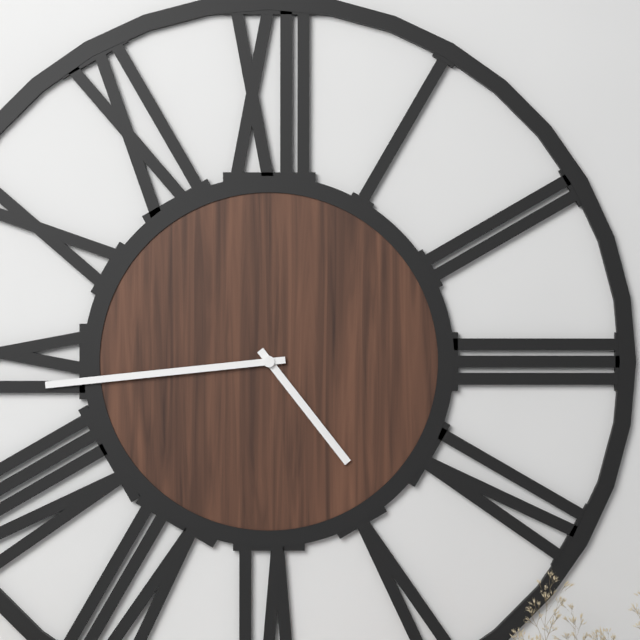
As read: 4:44
